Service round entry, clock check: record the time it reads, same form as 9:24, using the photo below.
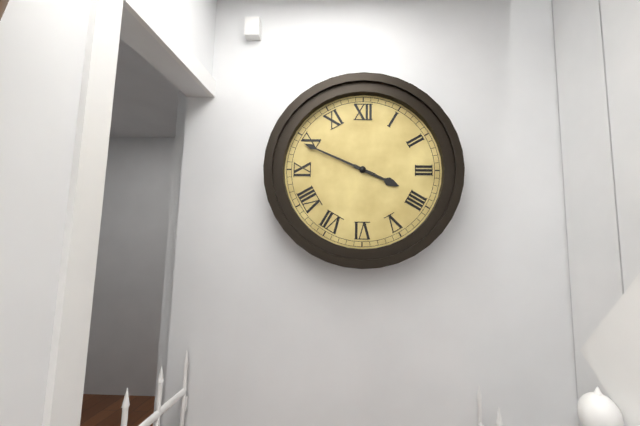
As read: 3:49
